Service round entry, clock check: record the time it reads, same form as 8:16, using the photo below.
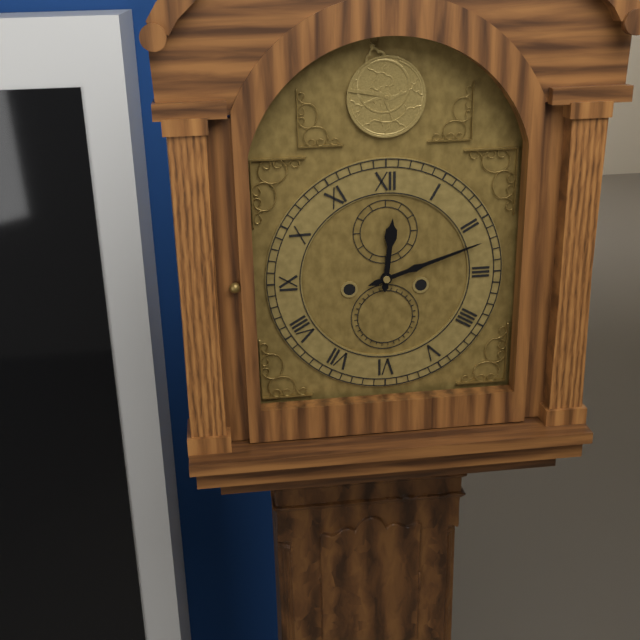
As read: 12:12
